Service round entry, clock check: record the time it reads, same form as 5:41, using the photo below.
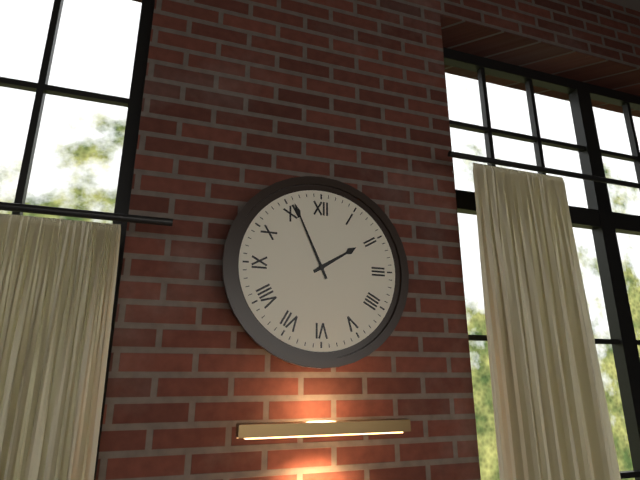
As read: 1:56
